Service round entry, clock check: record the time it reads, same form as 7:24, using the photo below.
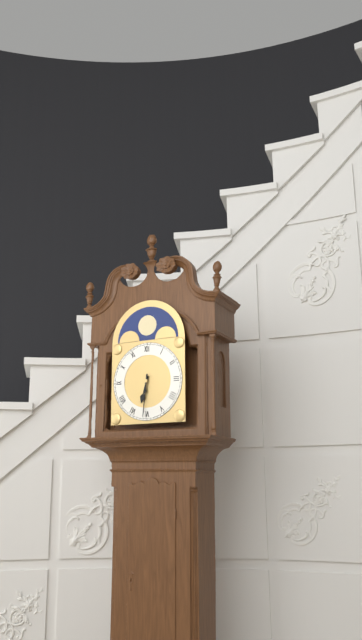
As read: 6:31
